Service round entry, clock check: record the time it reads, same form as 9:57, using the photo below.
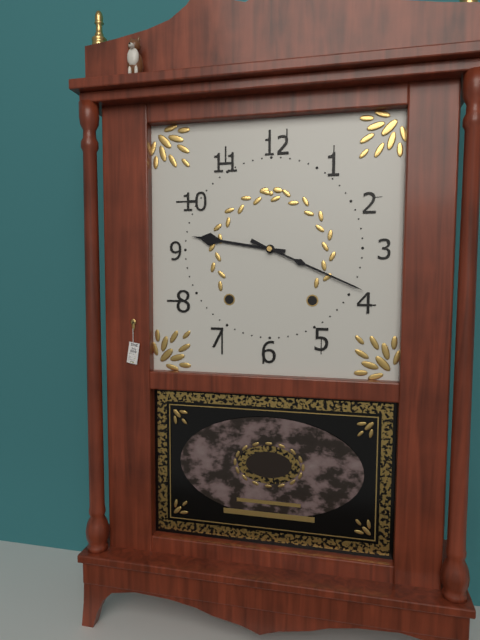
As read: 9:19
